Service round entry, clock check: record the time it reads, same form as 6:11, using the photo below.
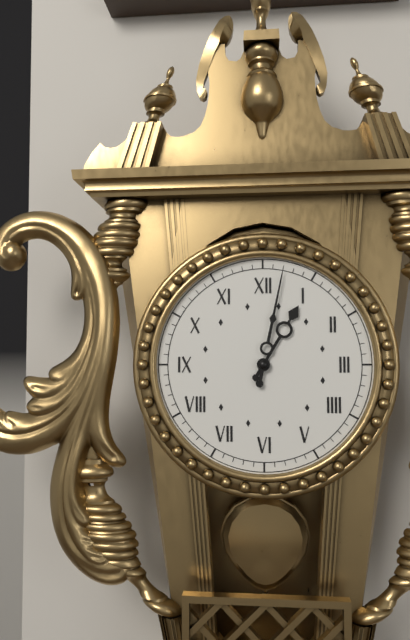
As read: 1:02
